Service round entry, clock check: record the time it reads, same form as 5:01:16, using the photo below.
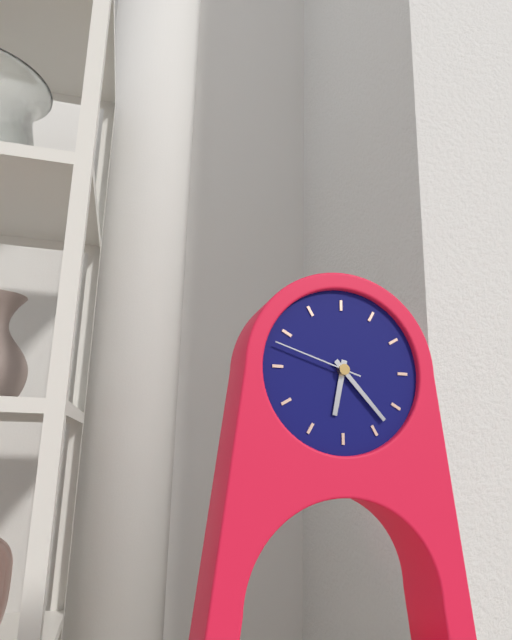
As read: 6:23:48
